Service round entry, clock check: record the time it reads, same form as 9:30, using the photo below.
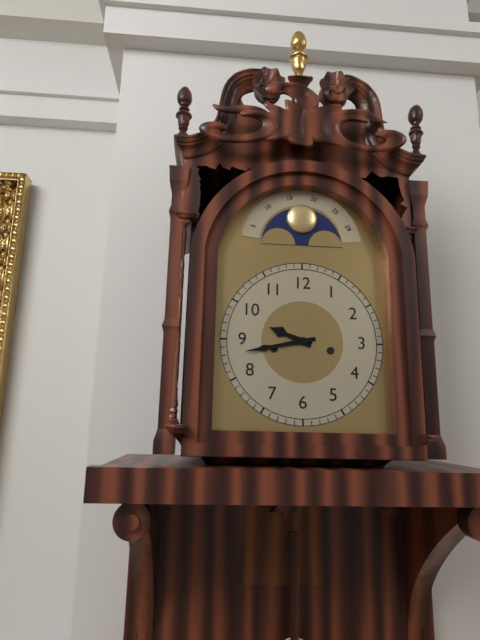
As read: 9:43
